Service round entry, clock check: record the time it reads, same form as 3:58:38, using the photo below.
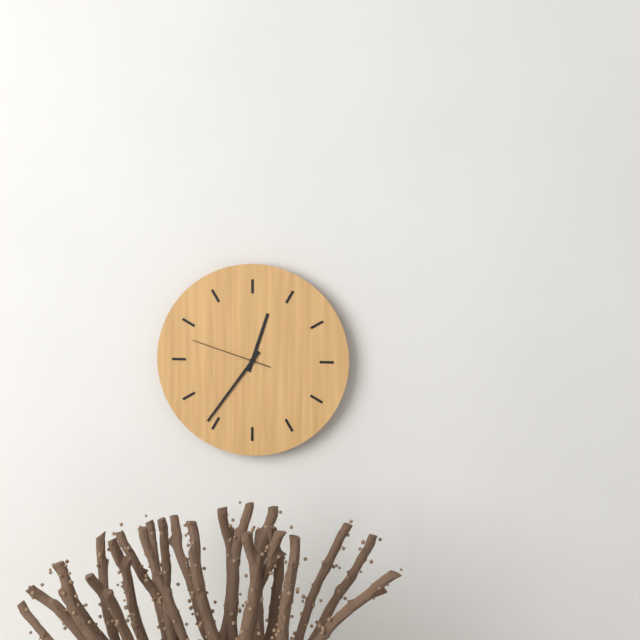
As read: 12:36:48
